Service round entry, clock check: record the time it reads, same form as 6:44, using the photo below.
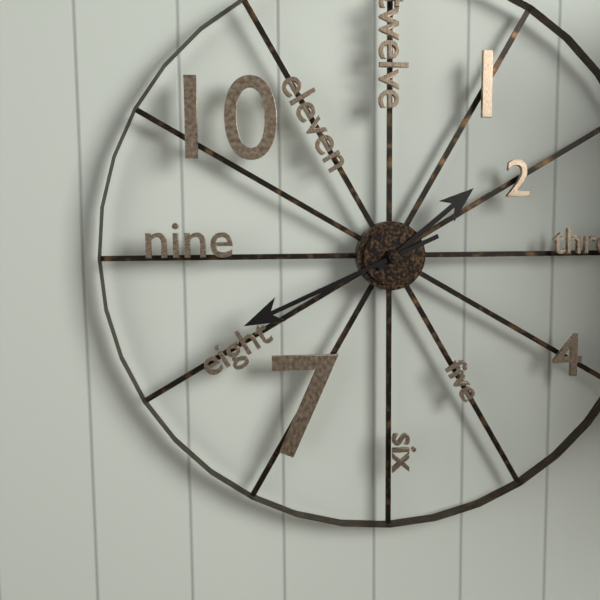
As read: 1:41
